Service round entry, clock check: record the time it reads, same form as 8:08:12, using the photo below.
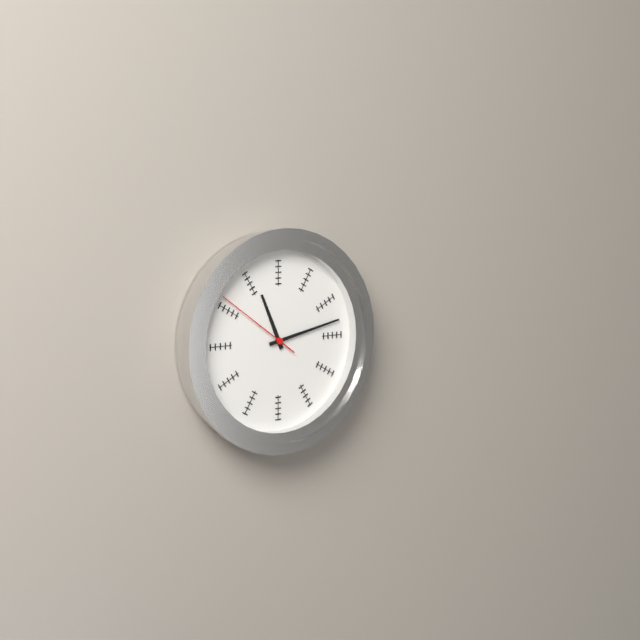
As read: 11:13:51
